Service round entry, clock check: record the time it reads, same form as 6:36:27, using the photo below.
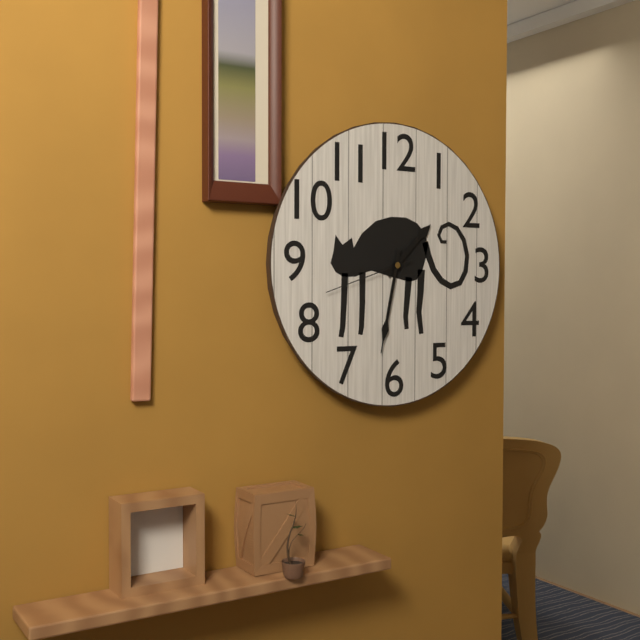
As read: 1:32:42
